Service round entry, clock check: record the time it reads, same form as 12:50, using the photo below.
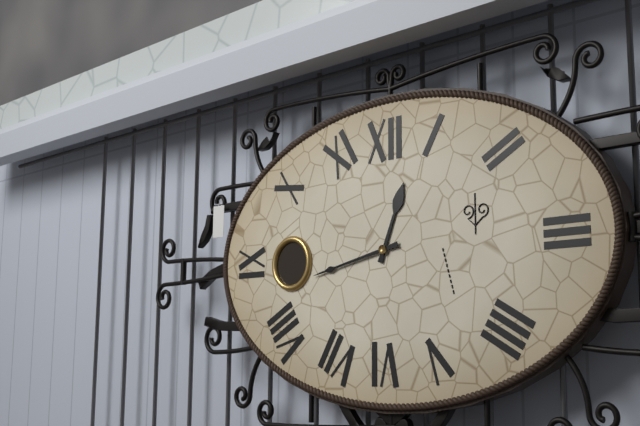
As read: 12:43
